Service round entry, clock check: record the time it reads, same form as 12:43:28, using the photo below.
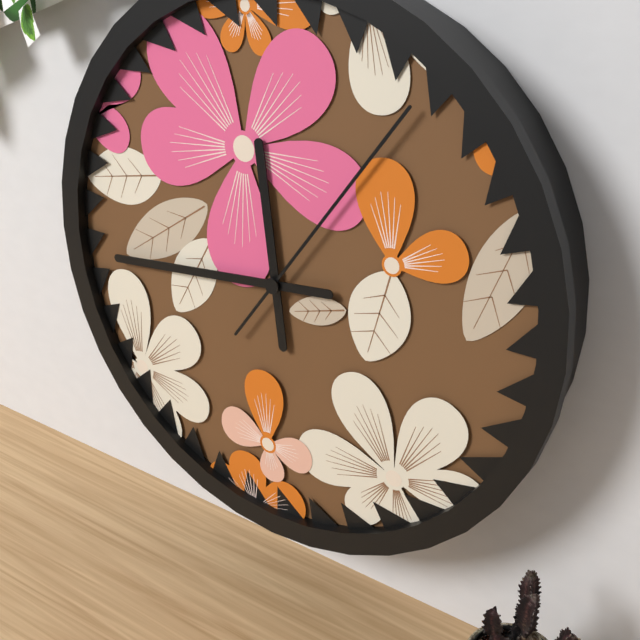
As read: 11:44:06
